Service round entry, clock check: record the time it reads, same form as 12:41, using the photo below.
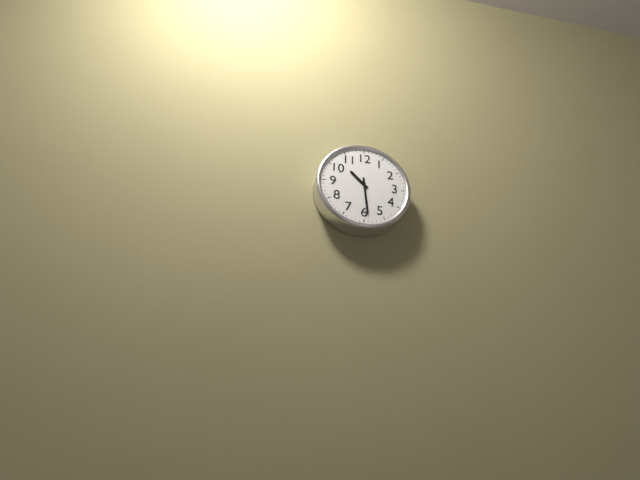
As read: 10:29
